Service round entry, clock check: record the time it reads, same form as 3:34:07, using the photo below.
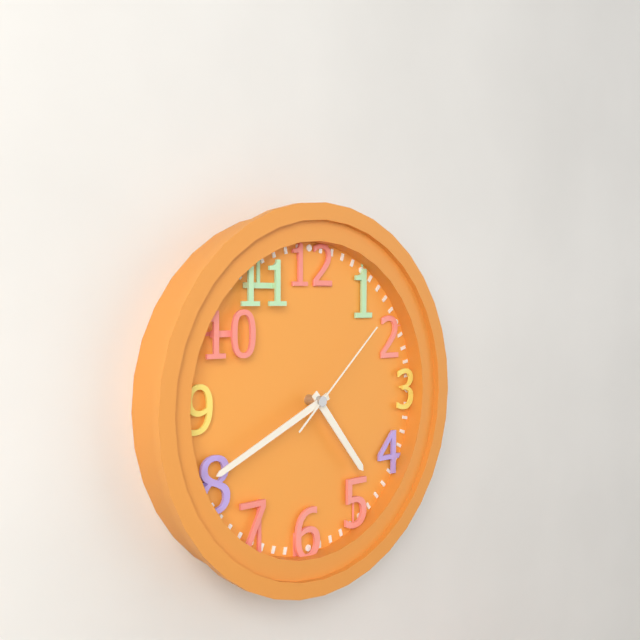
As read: 4:41:08
